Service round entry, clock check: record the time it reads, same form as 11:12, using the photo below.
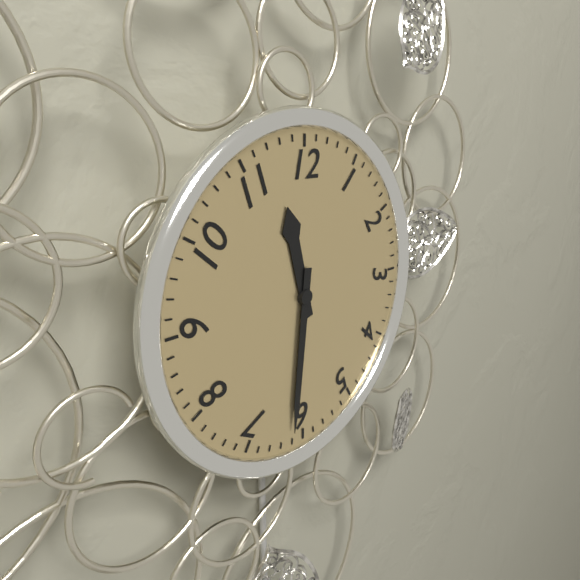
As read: 11:31
